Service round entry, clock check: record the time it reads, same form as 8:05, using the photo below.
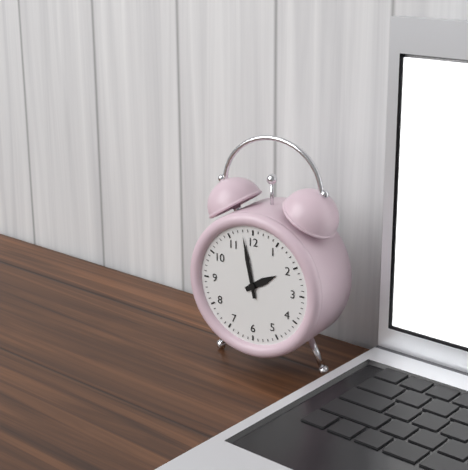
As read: 1:58
